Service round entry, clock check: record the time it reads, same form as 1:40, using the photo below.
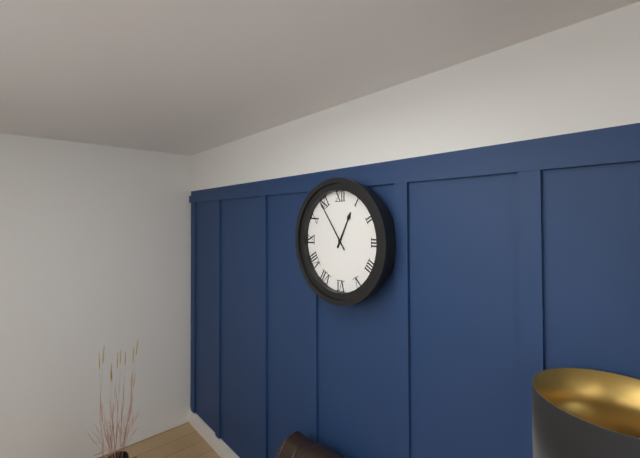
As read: 12:54
